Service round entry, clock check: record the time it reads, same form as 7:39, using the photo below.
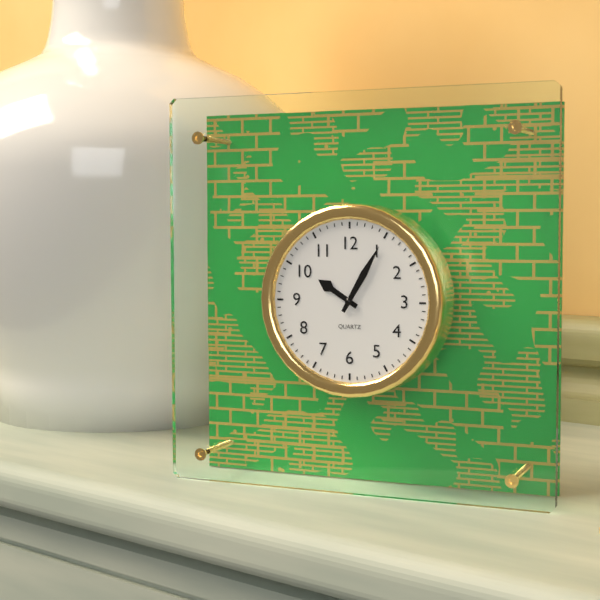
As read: 10:05
